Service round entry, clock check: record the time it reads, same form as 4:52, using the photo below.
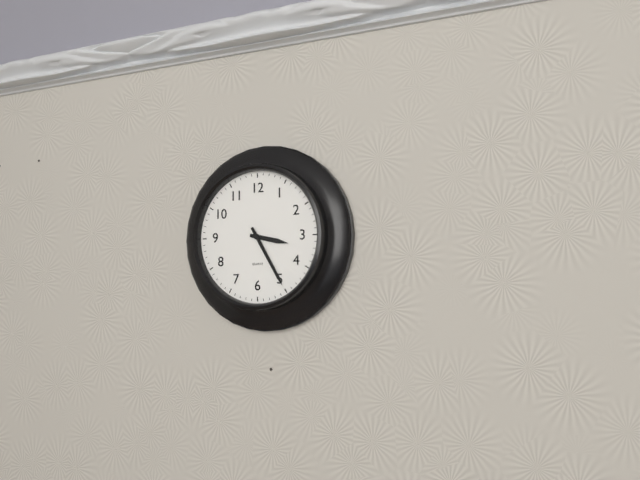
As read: 3:25
